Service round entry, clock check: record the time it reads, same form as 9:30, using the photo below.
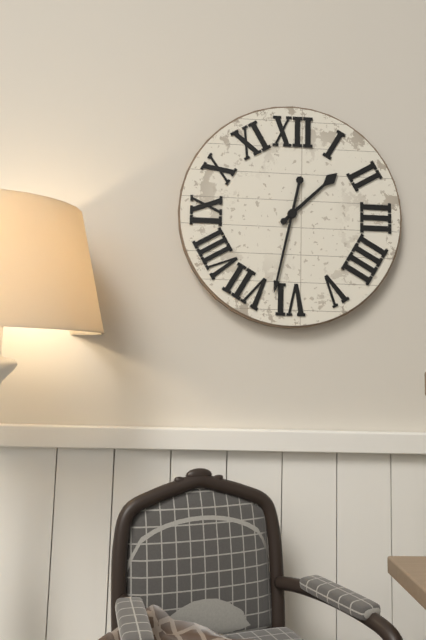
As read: 1:32
